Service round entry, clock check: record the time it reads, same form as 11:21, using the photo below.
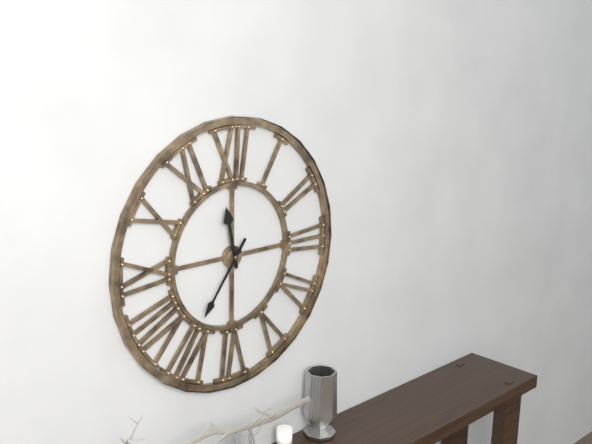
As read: 11:36
